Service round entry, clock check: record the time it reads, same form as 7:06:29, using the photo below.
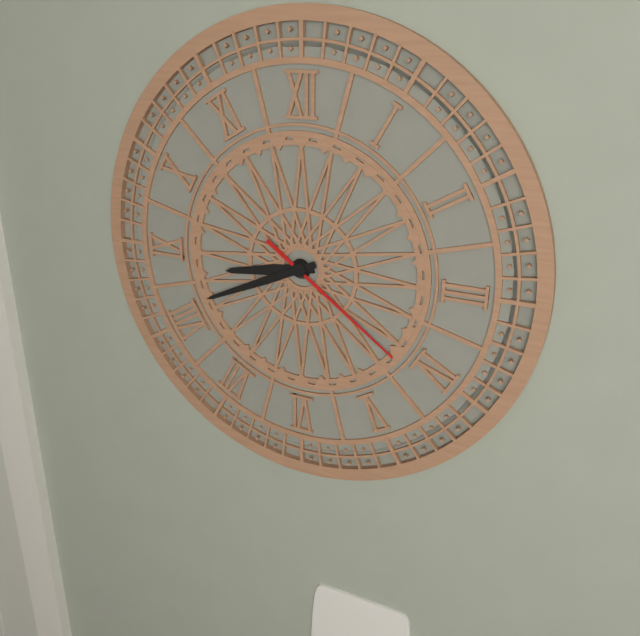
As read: 8:41:21
